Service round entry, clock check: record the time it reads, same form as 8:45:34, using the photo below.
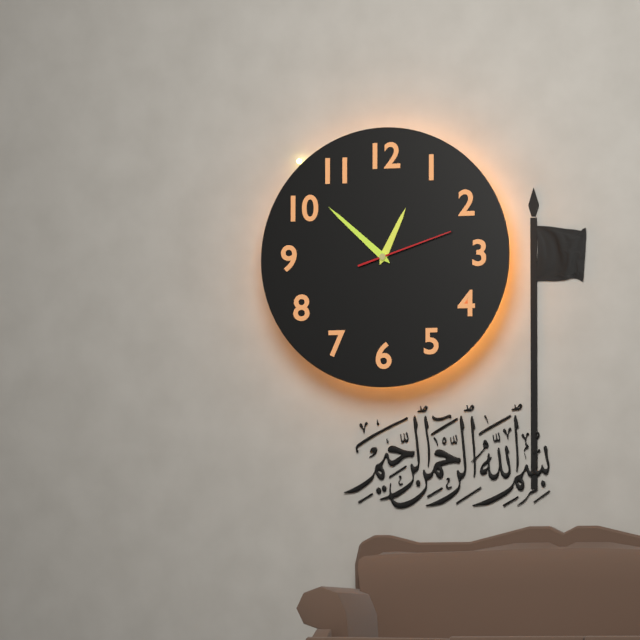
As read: 12:52:12
